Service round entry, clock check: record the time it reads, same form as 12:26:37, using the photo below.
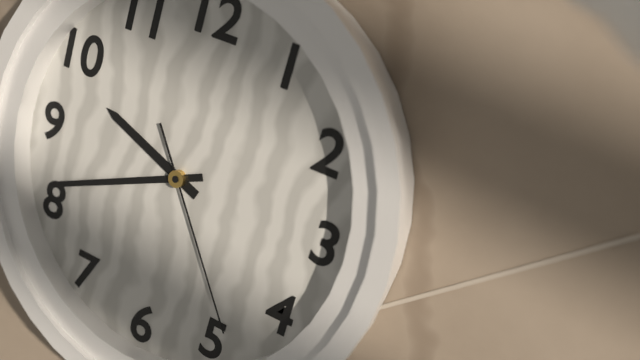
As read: 9:41:24
